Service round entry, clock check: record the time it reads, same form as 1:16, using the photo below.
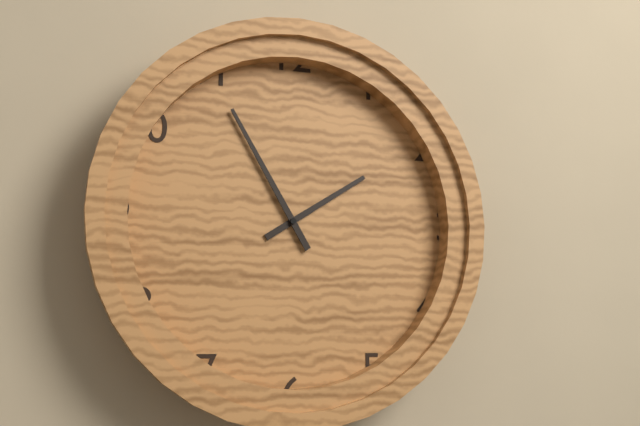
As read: 1:55
